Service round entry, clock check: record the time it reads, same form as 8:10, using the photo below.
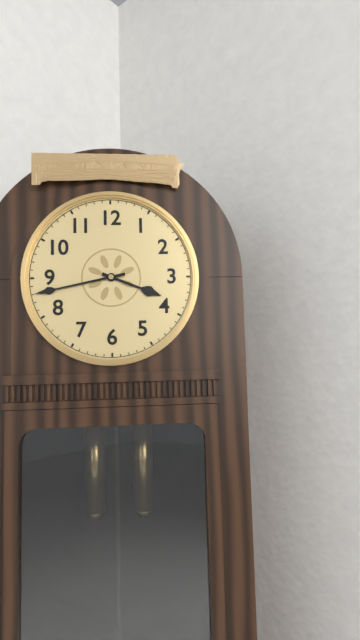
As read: 3:43
